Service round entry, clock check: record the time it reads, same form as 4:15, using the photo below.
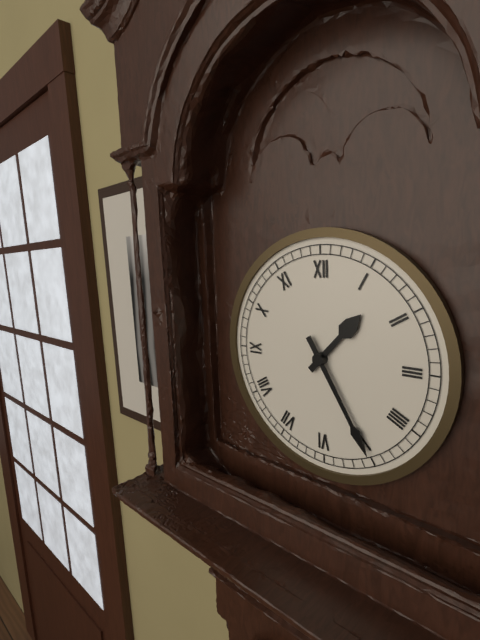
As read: 1:25
